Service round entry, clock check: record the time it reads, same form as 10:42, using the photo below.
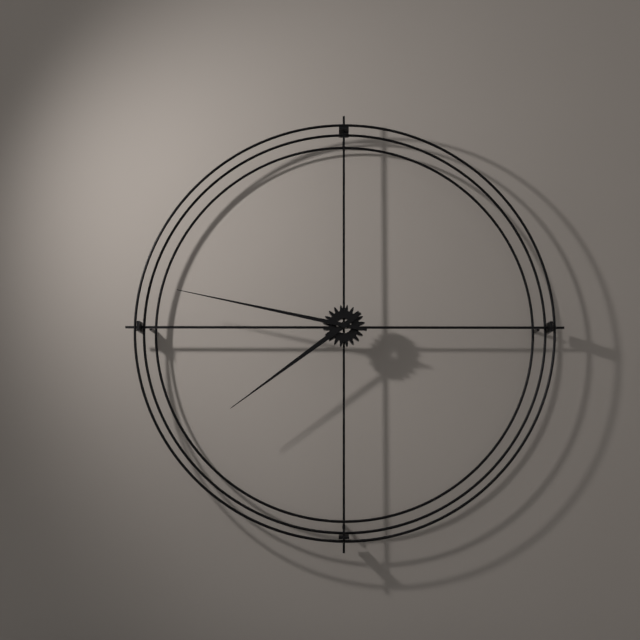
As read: 7:47
